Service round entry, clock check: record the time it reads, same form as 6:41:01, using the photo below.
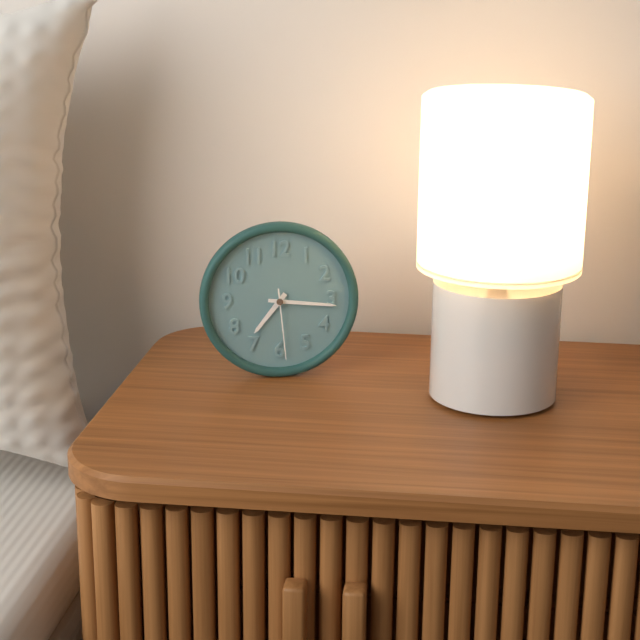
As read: 7:16:29
